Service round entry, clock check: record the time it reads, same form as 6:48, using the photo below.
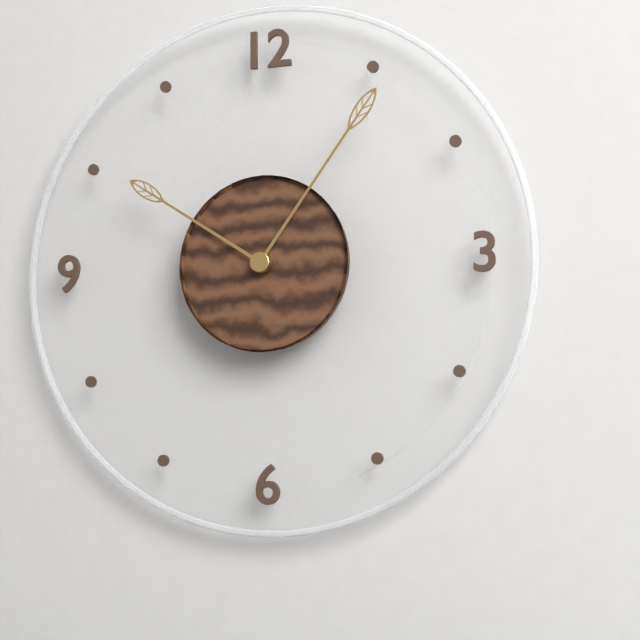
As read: 10:06
